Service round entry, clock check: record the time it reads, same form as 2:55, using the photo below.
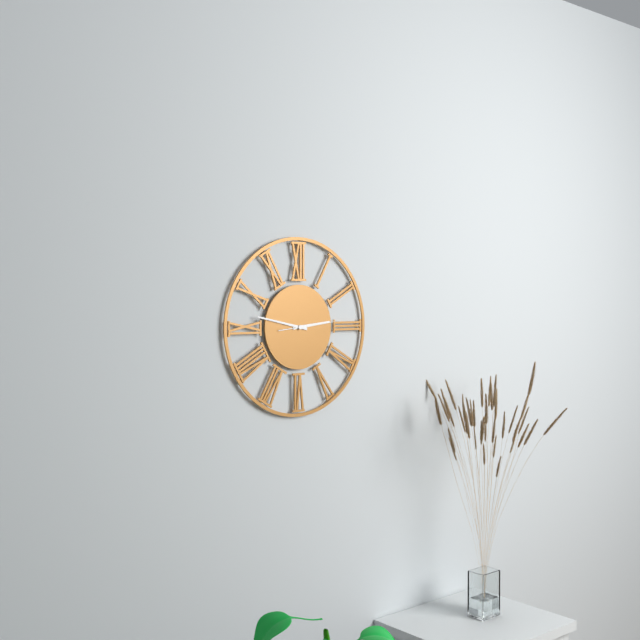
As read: 2:47
